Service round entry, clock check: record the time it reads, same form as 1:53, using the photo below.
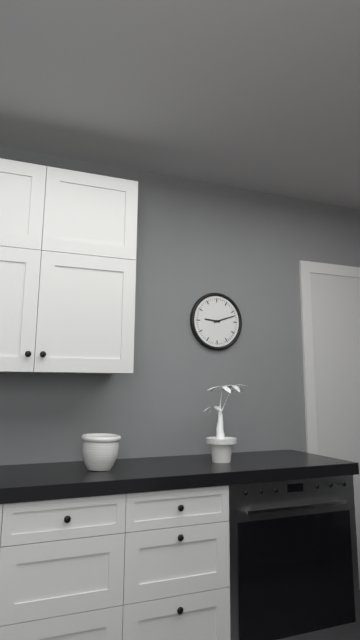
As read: 9:12
